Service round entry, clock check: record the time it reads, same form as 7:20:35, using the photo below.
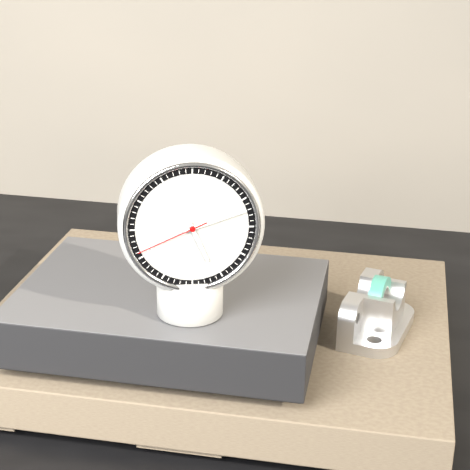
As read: 5:12:41
